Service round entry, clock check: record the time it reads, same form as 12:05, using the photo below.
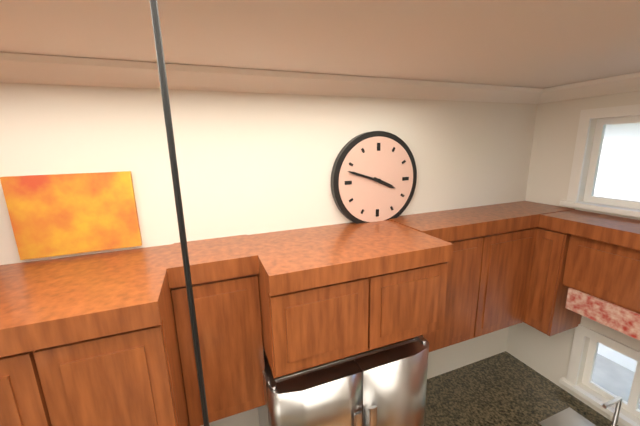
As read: 3:48
